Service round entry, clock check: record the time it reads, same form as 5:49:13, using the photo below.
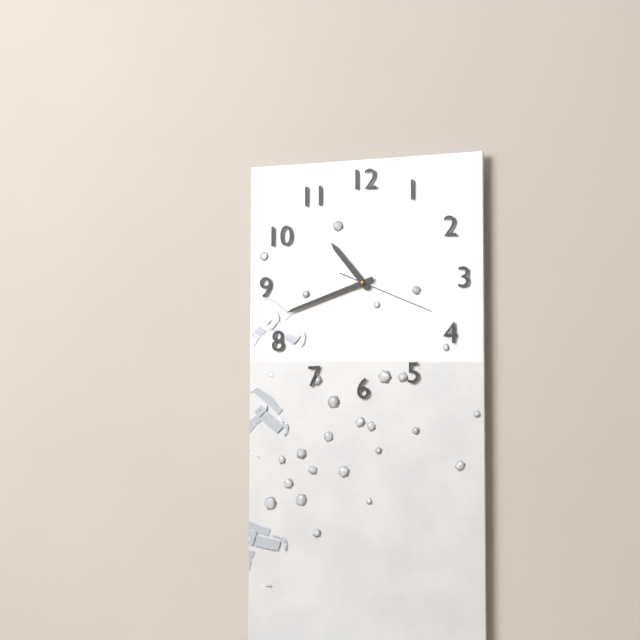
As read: 10:42:19
